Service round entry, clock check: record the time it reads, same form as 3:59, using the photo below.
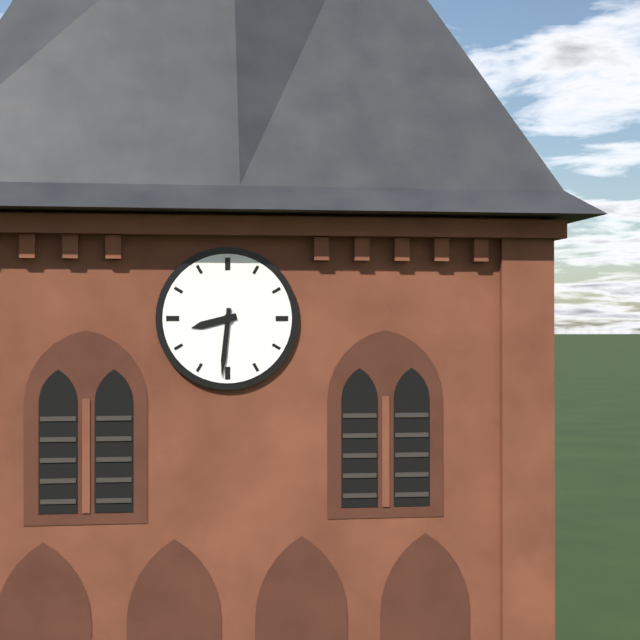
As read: 8:31
